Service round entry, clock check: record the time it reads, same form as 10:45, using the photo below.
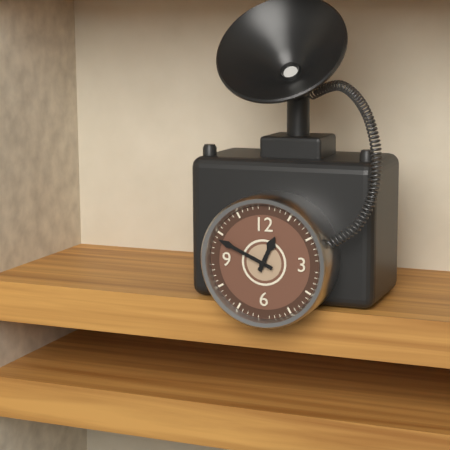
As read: 12:49
